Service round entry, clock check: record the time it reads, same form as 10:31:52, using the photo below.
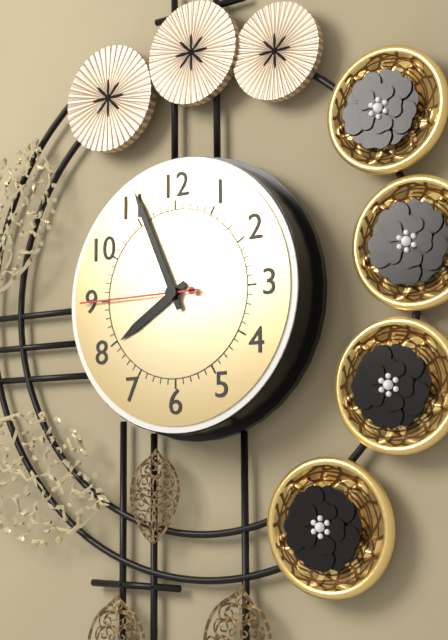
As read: 7:56:45
